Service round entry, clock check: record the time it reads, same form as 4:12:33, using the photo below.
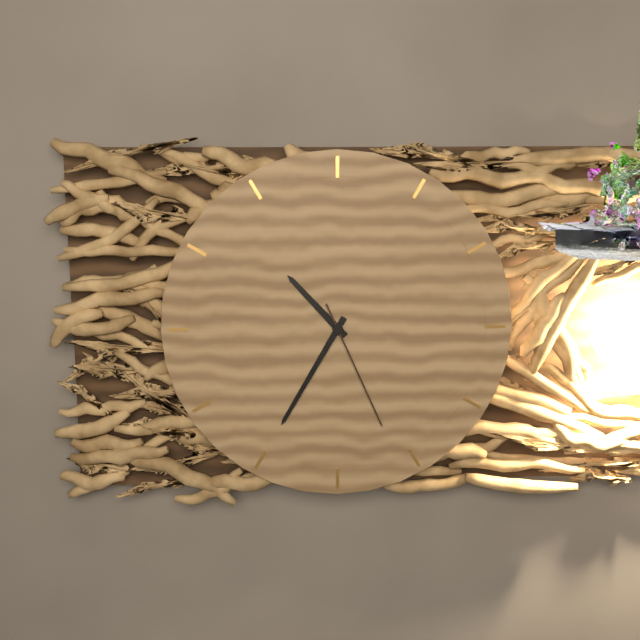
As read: 10:35:26
